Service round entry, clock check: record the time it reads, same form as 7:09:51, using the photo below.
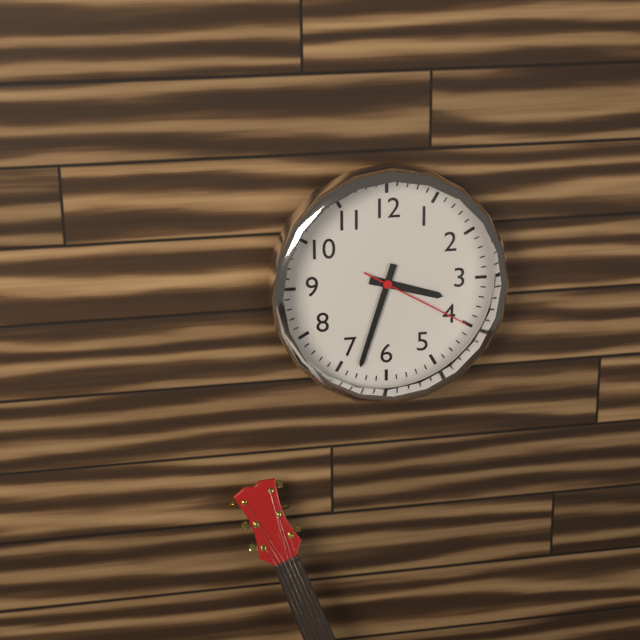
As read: 3:33:20
